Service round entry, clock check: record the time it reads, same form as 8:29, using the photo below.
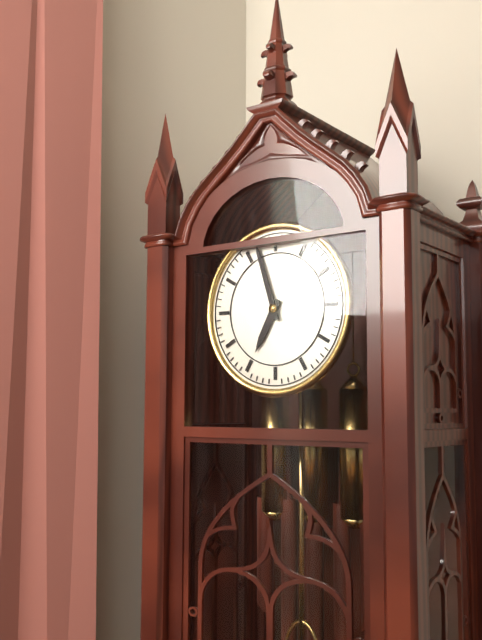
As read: 6:57
